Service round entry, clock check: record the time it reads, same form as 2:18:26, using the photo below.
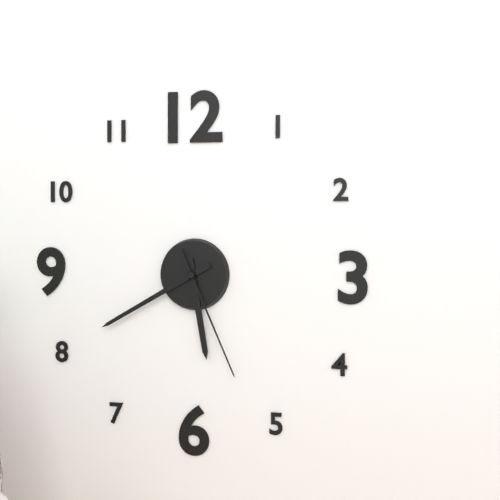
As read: 5:40:26
